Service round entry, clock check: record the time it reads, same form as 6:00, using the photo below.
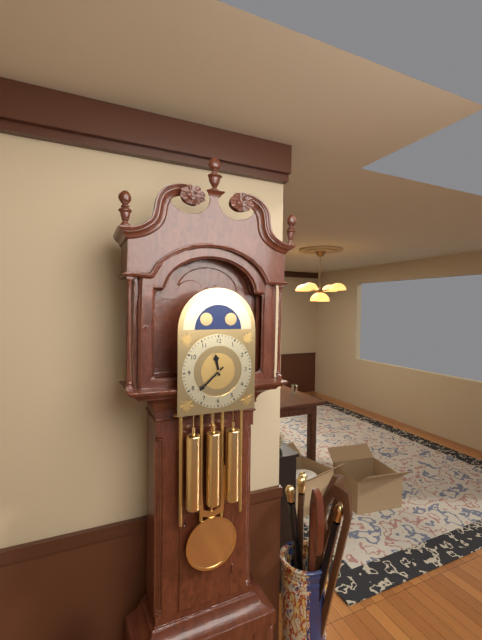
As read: 11:38
